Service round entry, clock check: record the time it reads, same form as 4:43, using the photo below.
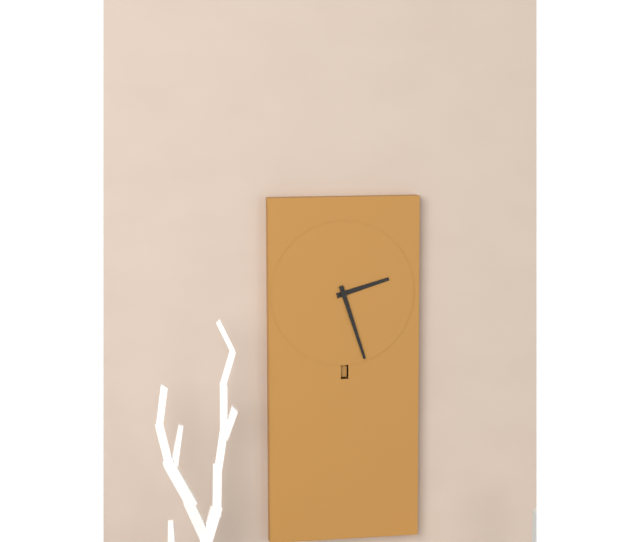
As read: 2:27
